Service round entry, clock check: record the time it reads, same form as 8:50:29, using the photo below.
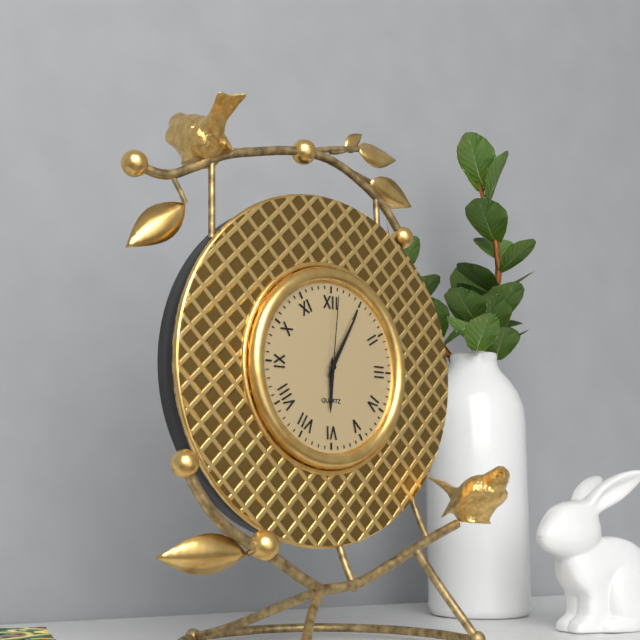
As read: 6:05:01
